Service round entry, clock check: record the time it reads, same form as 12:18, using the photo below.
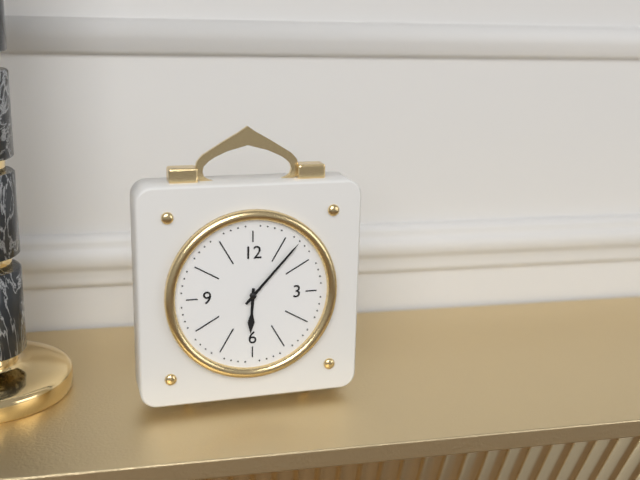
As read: 6:07
